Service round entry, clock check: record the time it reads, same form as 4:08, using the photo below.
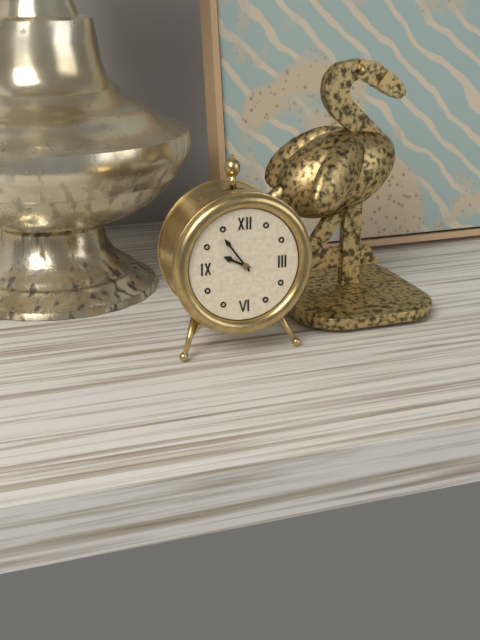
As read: 9:54
